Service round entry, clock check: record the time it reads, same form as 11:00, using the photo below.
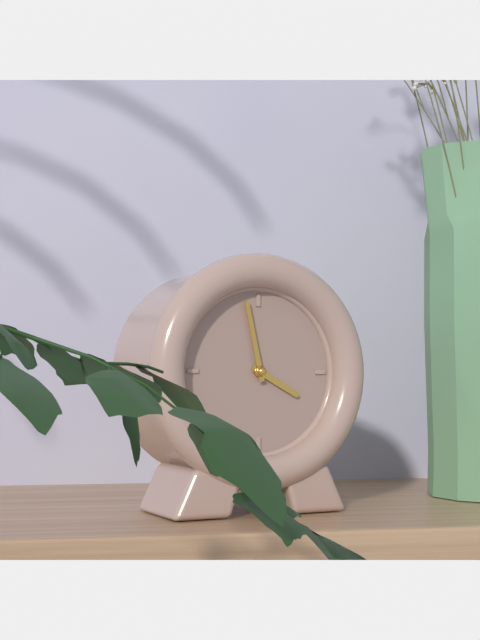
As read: 3:58
